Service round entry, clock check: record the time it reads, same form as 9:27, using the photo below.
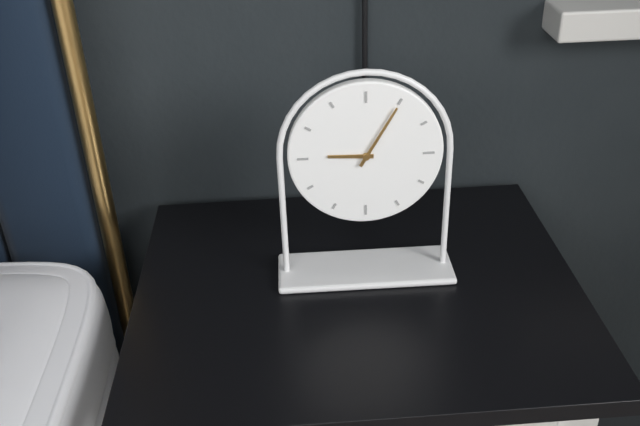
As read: 9:05
